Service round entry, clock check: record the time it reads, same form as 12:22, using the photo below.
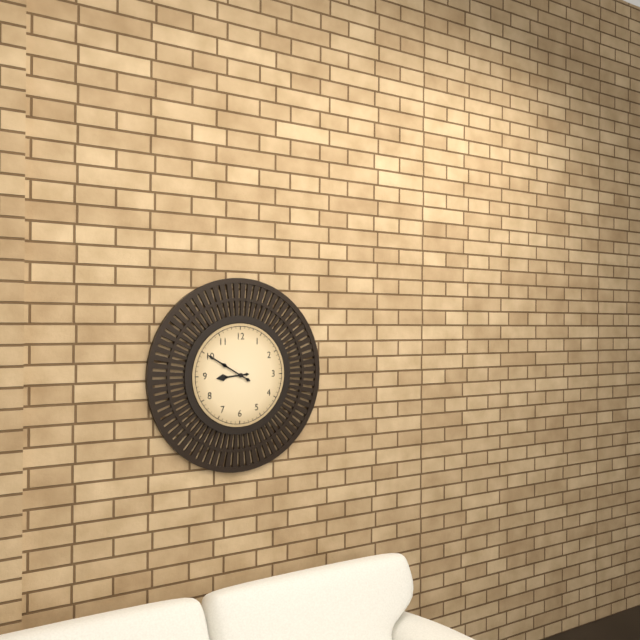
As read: 8:50
